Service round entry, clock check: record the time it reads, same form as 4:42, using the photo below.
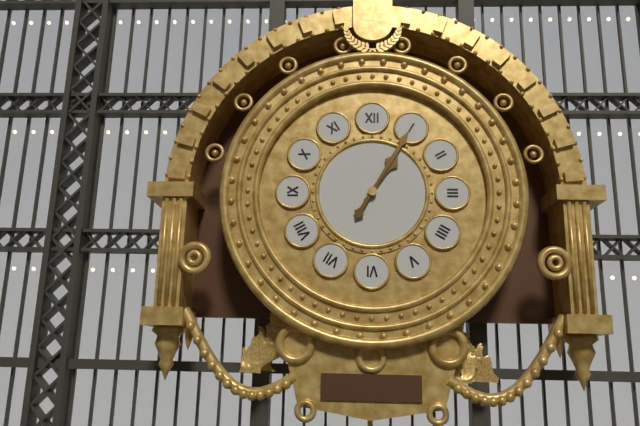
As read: 1:05
